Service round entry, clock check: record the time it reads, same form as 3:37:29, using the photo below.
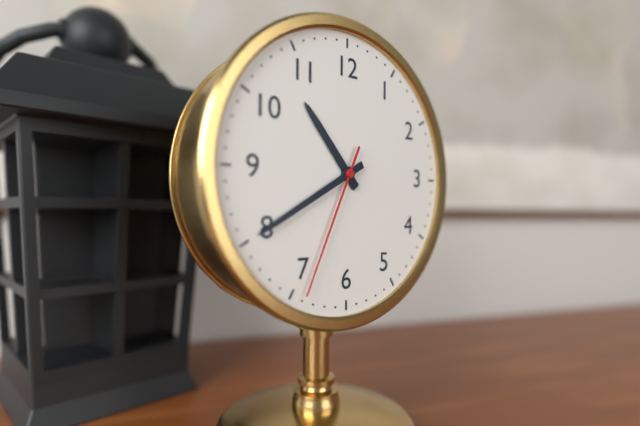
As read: 10:40:34
